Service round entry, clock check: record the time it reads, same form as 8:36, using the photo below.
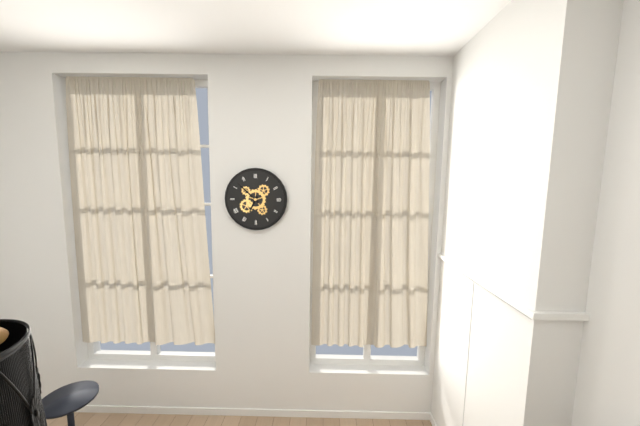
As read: 6:52
